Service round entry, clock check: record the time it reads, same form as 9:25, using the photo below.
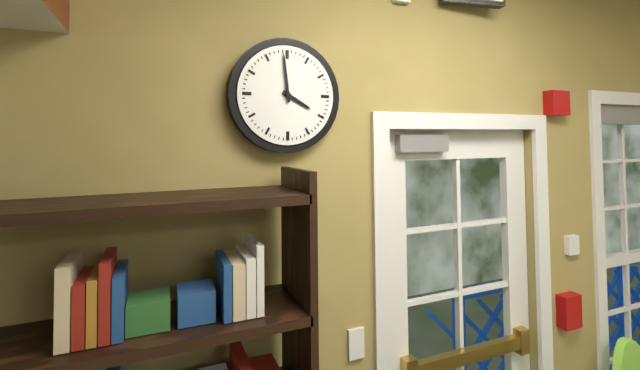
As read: 3:59
